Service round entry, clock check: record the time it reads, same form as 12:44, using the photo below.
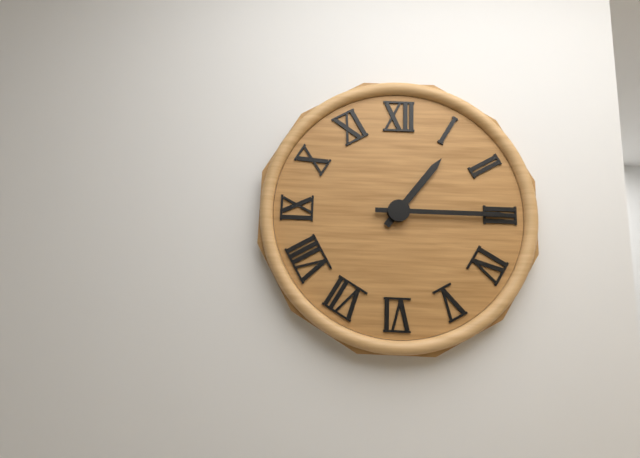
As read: 1:15
